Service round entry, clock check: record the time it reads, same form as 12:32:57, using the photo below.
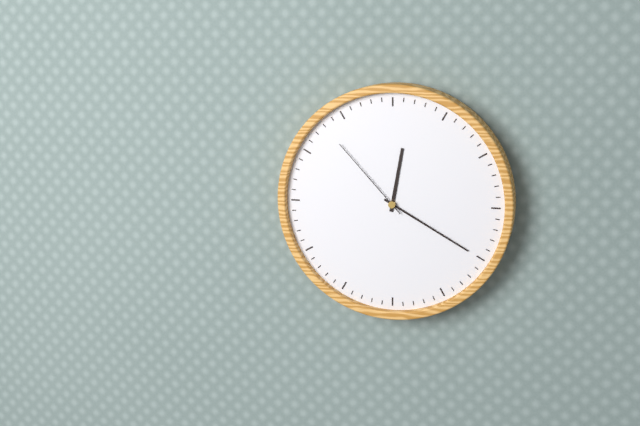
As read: 12:20:53
